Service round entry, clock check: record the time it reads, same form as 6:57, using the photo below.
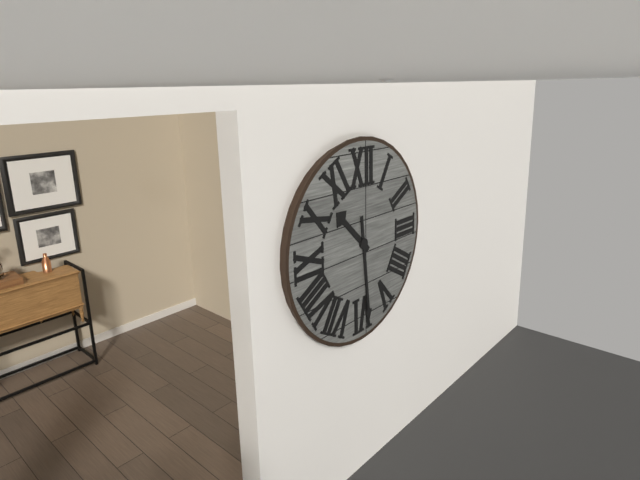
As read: 10:29
